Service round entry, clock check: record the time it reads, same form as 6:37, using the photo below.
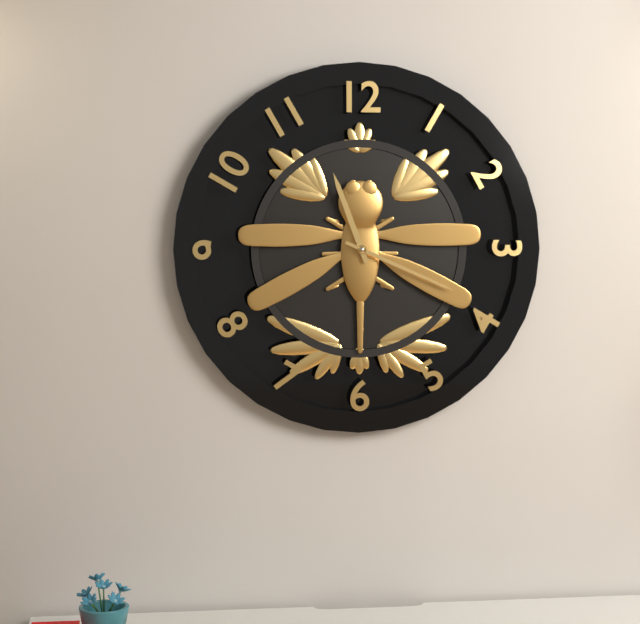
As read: 11:19
